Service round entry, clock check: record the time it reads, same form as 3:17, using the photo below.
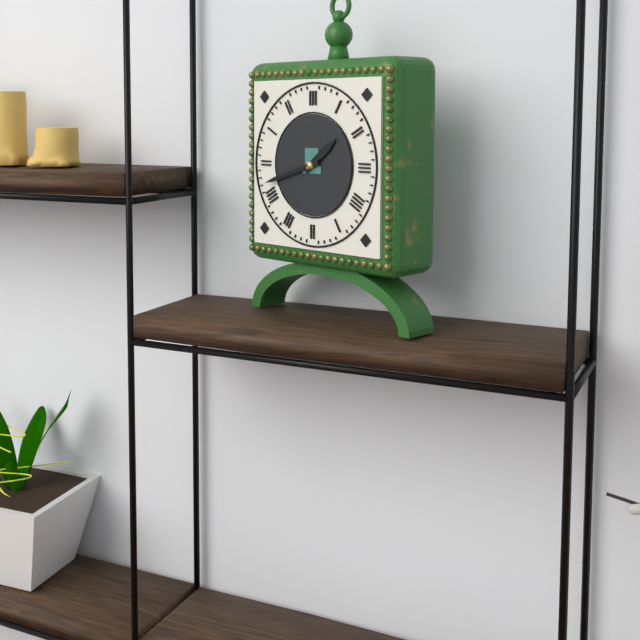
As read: 1:42
